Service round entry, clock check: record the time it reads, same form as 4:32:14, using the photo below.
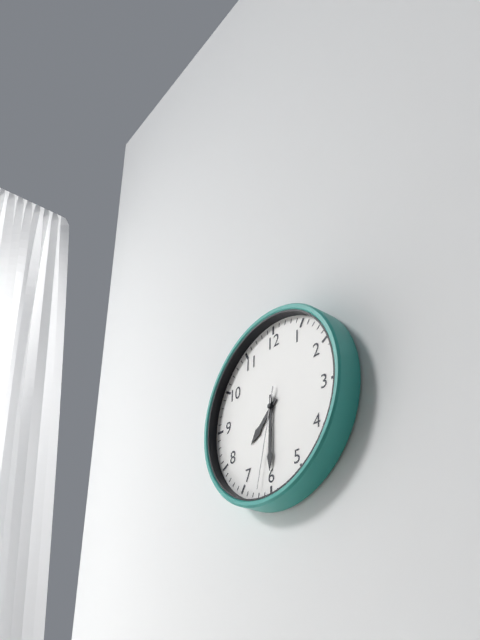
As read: 7:30:32
